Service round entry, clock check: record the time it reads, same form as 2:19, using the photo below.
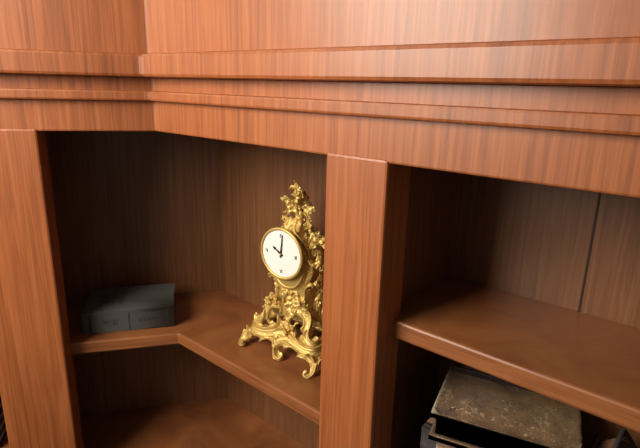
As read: 10:01
